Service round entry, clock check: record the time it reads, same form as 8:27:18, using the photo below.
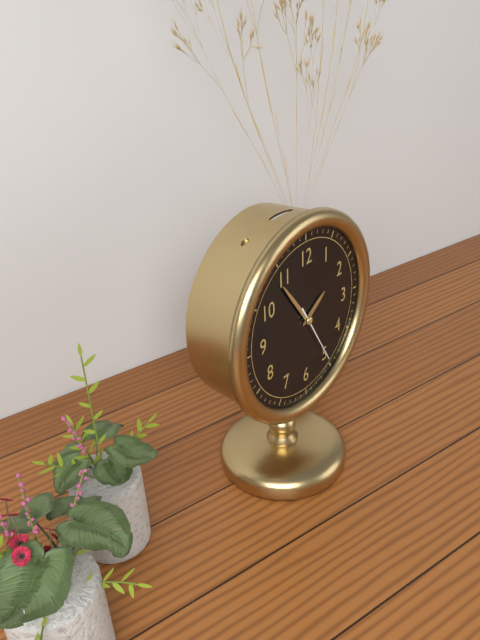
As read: 1:54:25
